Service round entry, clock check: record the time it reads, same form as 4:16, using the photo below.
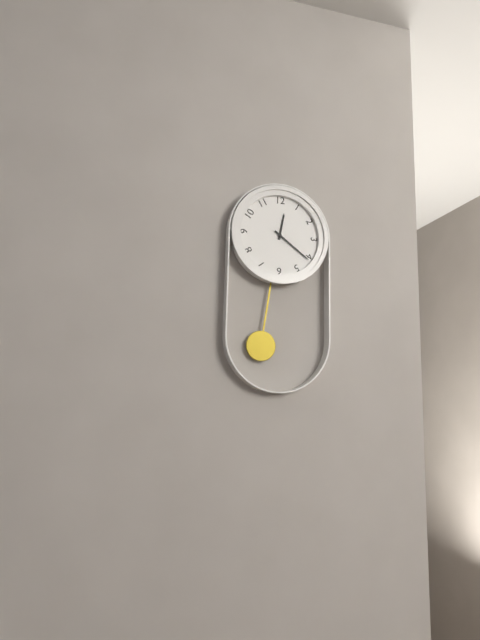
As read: 12:21
